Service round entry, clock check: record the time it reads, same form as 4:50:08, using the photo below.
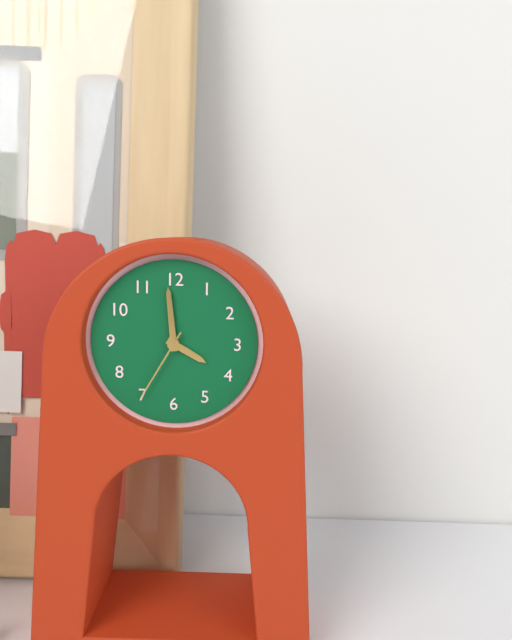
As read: 3:59:35
